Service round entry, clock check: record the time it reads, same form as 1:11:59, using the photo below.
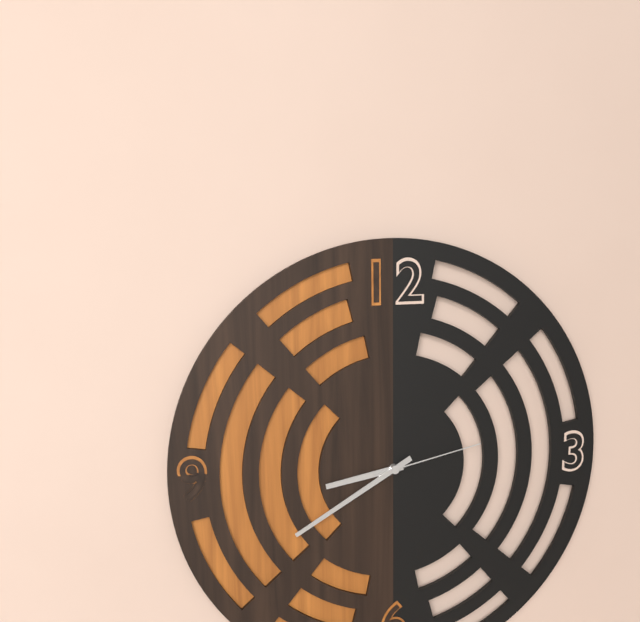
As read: 8:40:13
